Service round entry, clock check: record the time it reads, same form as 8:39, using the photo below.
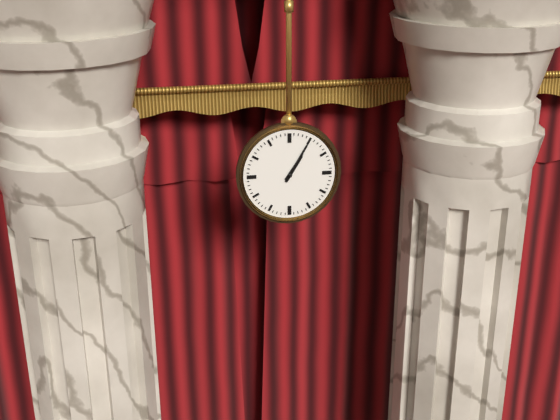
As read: 1:05
